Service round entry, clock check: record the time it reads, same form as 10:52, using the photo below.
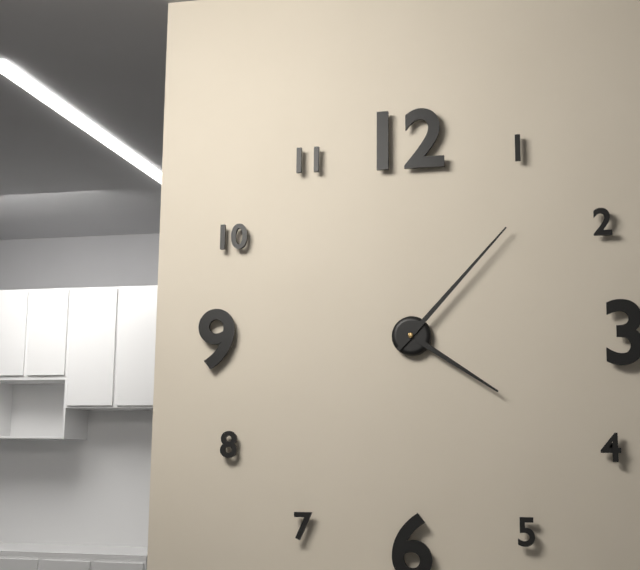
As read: 4:07
